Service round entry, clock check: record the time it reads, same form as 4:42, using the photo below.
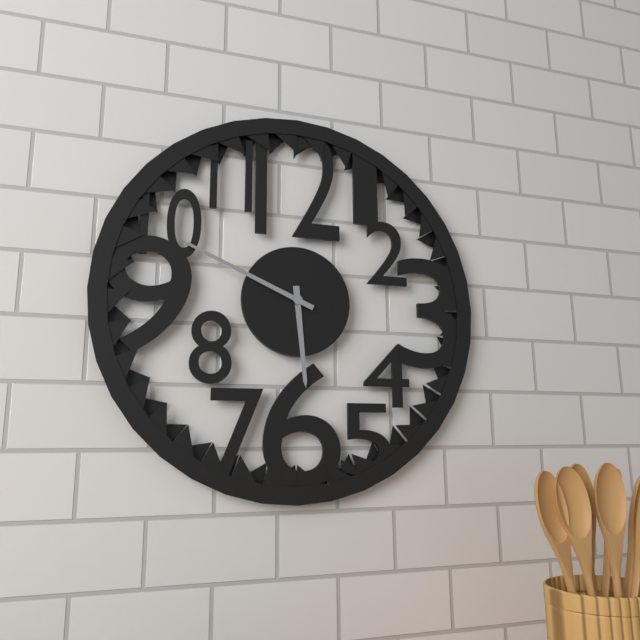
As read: 5:49
